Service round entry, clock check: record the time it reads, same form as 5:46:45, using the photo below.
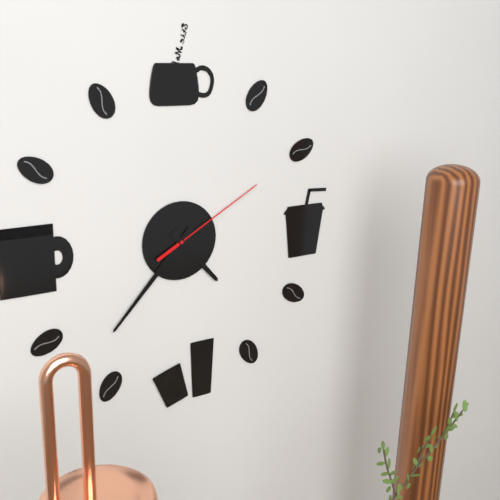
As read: 4:37:10
